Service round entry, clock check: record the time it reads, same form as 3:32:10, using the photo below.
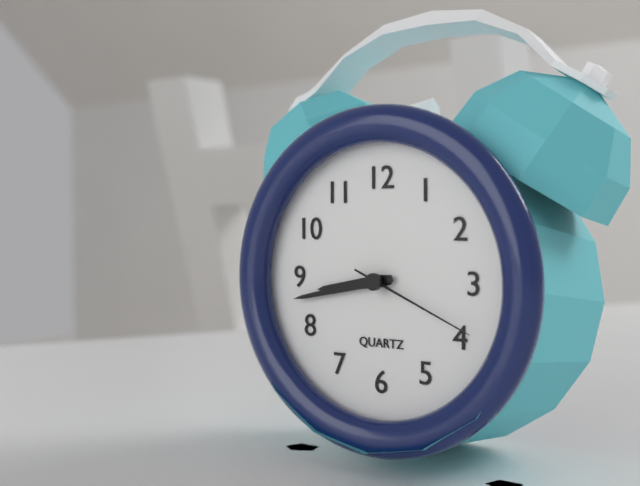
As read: 8:43:19
